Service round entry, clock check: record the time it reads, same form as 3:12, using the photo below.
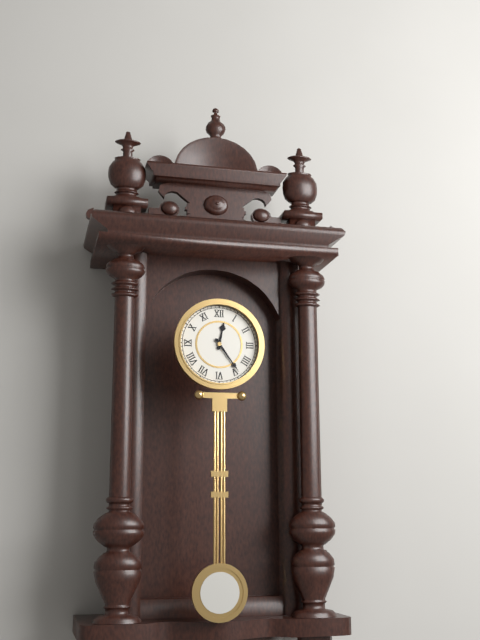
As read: 12:24
